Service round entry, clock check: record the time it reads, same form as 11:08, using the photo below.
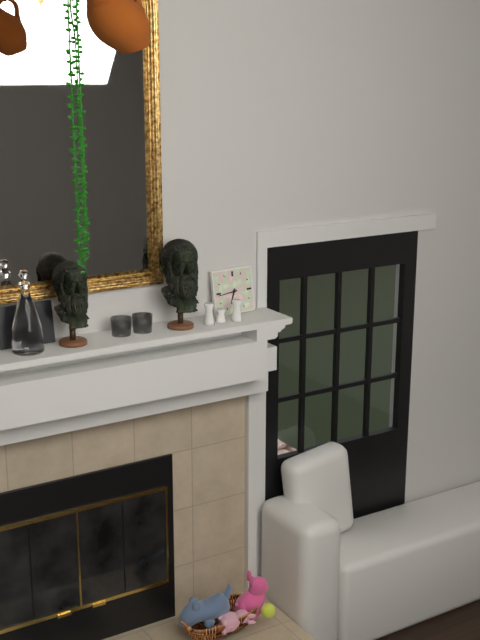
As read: 6:44
